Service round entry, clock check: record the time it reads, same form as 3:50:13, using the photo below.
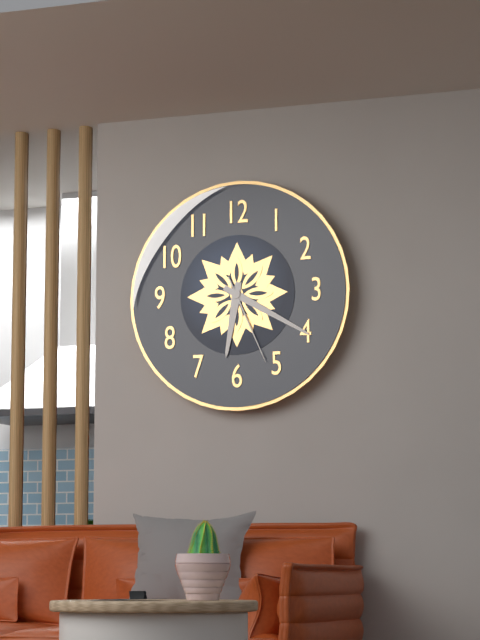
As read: 6:20:26
